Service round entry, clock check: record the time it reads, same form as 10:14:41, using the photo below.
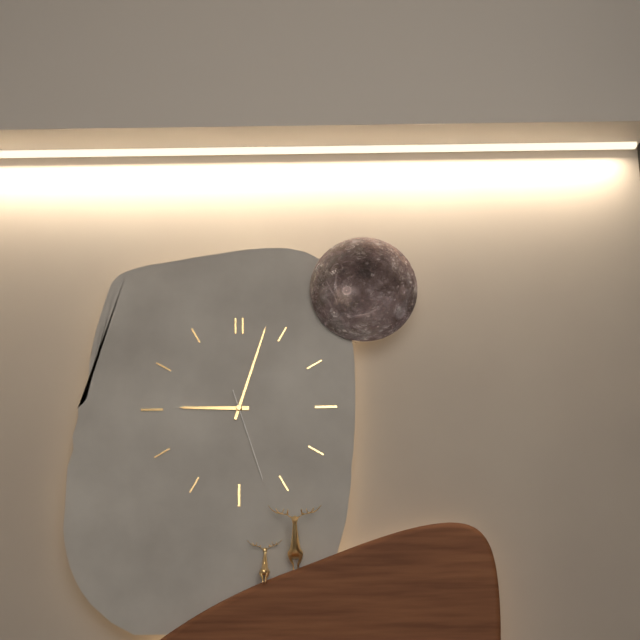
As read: 9:03:27
